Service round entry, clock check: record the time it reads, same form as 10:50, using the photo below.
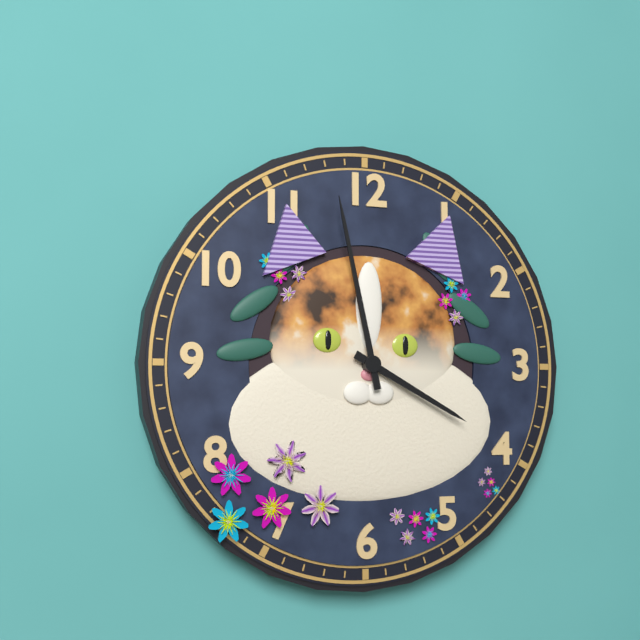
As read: 3:58
